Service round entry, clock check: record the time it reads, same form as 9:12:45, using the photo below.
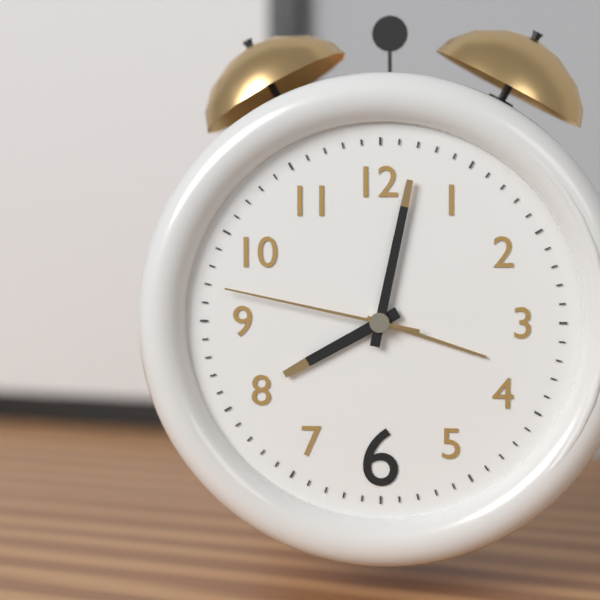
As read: 8:02:47
